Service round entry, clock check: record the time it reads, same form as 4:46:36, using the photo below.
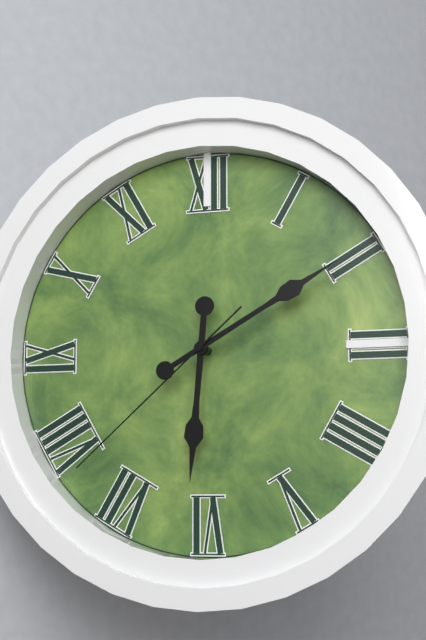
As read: 6:10:38
